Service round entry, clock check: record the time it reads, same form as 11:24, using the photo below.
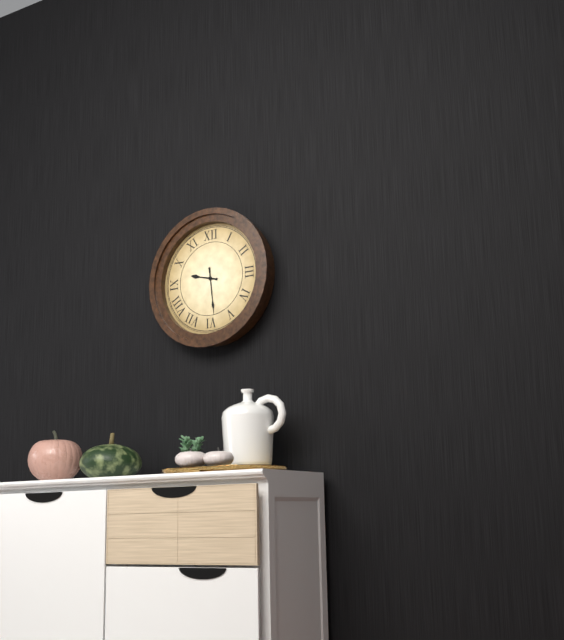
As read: 9:29
